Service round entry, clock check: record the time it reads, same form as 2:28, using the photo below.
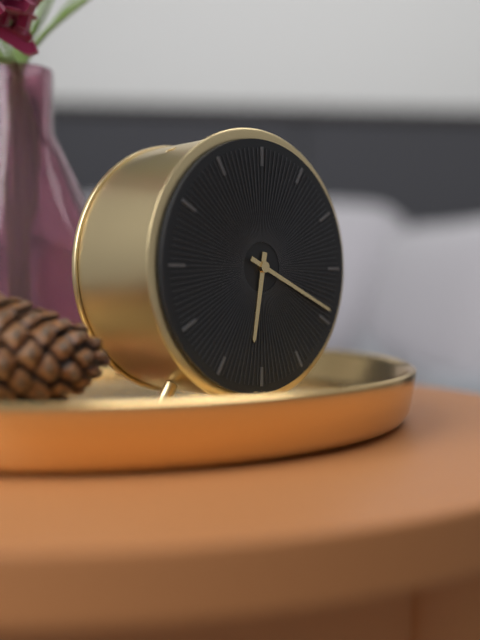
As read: 6:19
